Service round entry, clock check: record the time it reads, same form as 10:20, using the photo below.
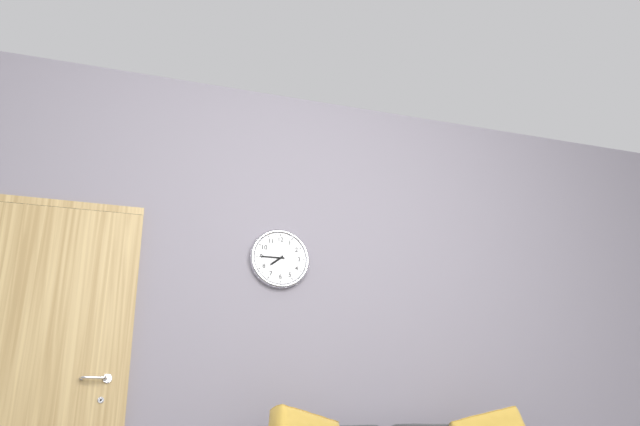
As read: 7:45
